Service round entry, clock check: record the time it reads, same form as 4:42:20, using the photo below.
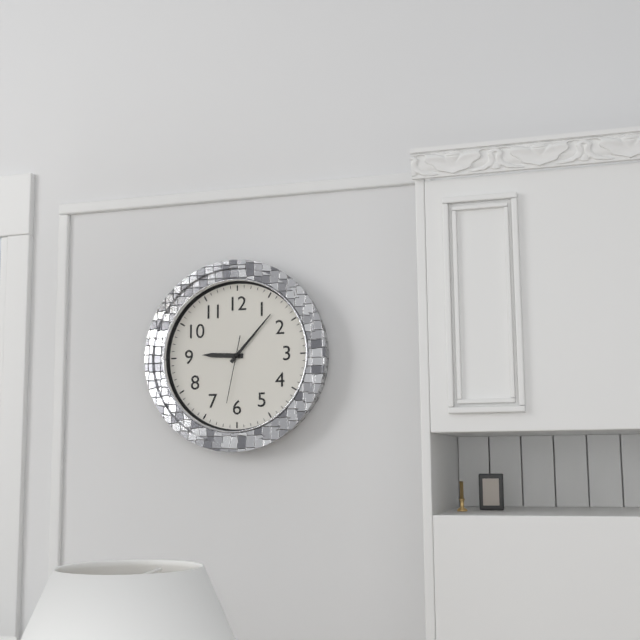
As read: 9:07:32
